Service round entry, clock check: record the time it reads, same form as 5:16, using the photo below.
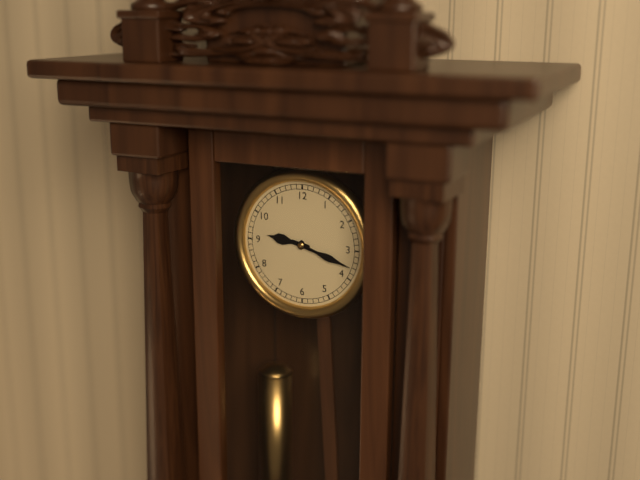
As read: 9:18
